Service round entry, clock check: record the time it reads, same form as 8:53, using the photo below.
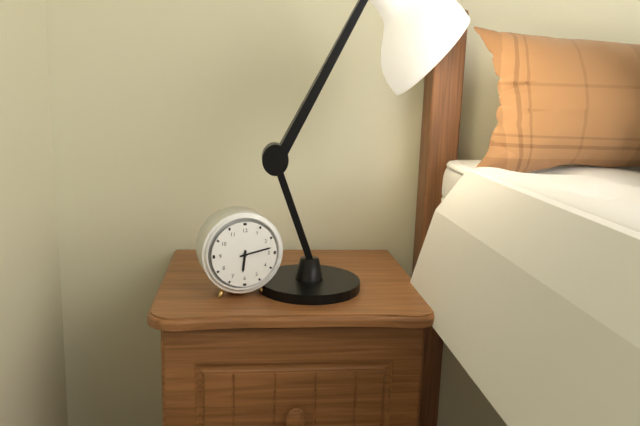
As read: 6:13
